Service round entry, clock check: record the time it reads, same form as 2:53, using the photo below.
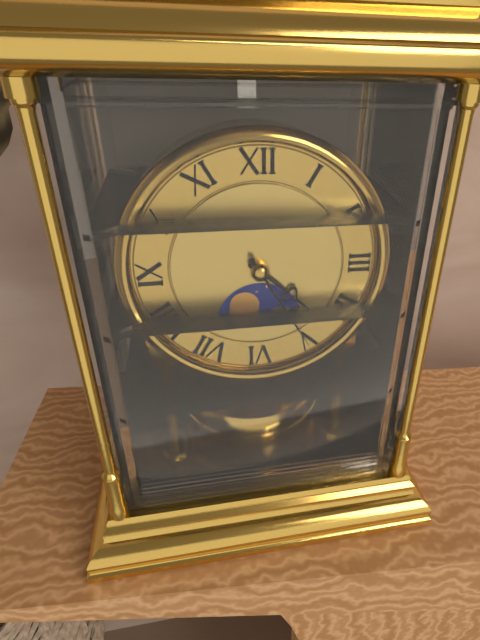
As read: 4:25
